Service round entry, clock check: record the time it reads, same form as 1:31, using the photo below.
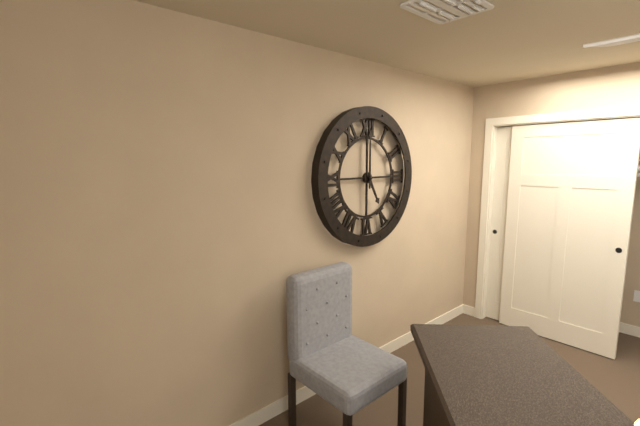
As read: 5:00
